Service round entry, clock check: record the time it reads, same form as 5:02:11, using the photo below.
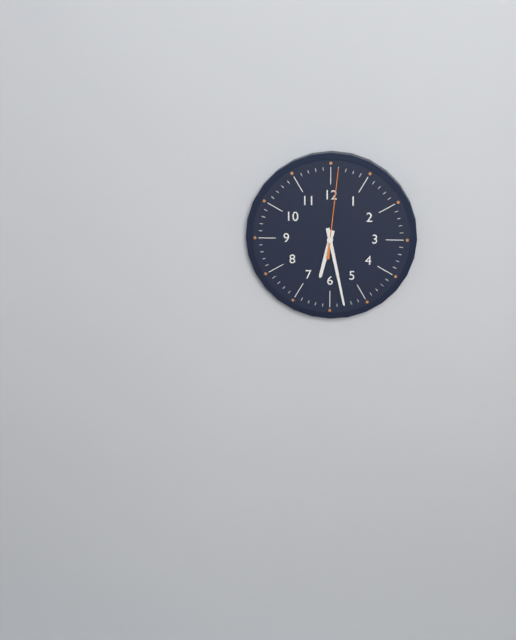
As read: 6:28:01
